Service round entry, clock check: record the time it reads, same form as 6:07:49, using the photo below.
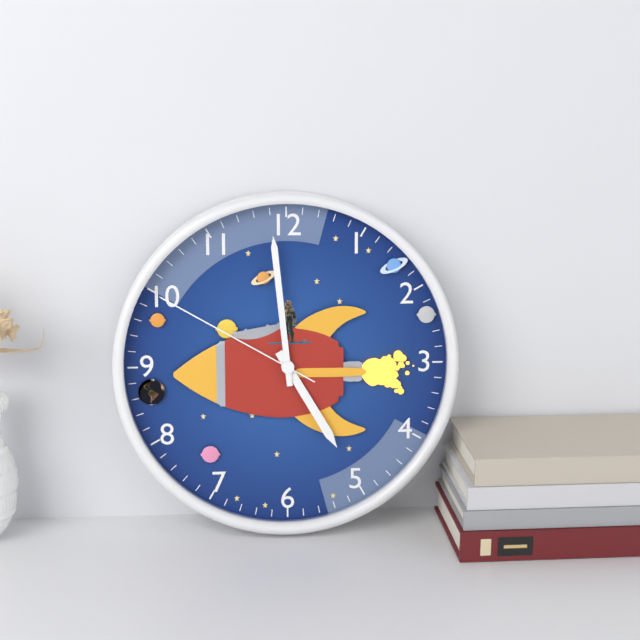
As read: 4:59:50
